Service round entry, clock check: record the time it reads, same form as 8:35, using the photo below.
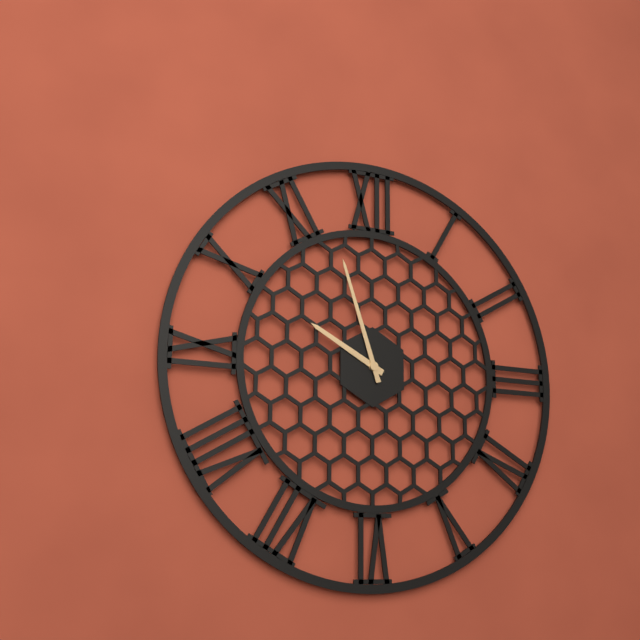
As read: 9:57
